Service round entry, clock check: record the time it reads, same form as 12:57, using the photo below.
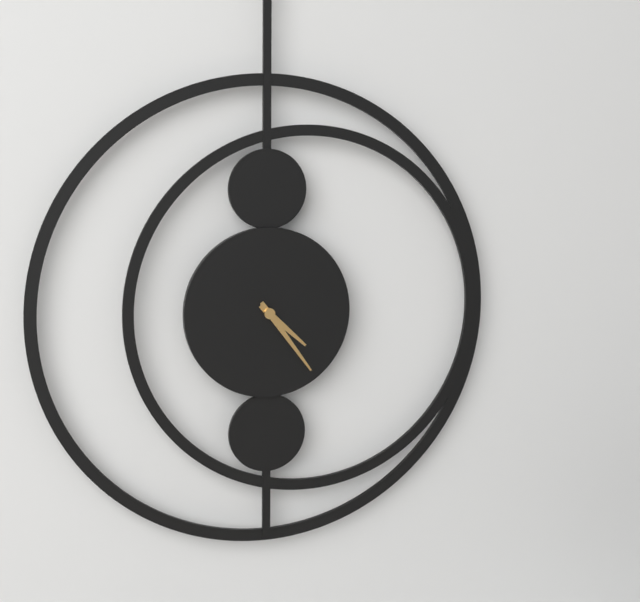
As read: 4:24
